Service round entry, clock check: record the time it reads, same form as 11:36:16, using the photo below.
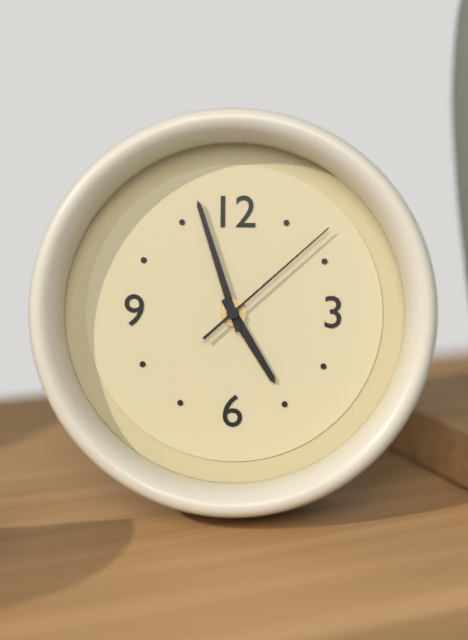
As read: 4:57:08
